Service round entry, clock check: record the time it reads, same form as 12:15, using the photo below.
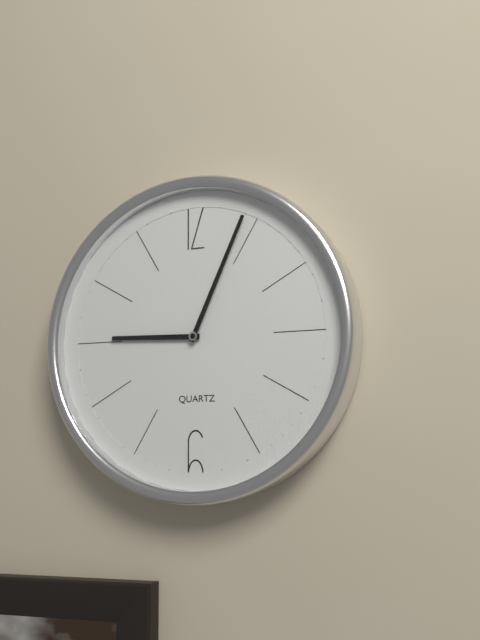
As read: 9:04
